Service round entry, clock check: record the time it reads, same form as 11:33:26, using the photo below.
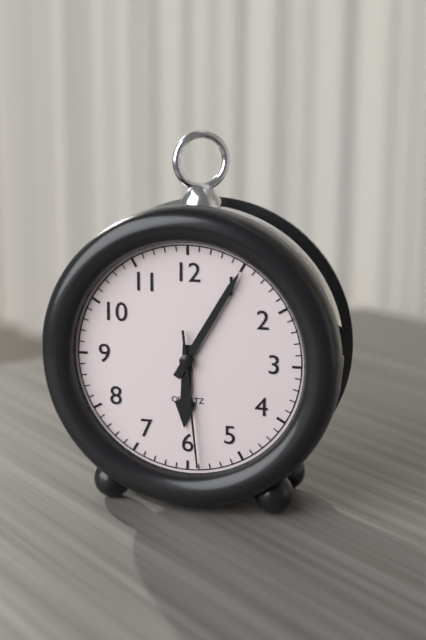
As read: 6:05:29
